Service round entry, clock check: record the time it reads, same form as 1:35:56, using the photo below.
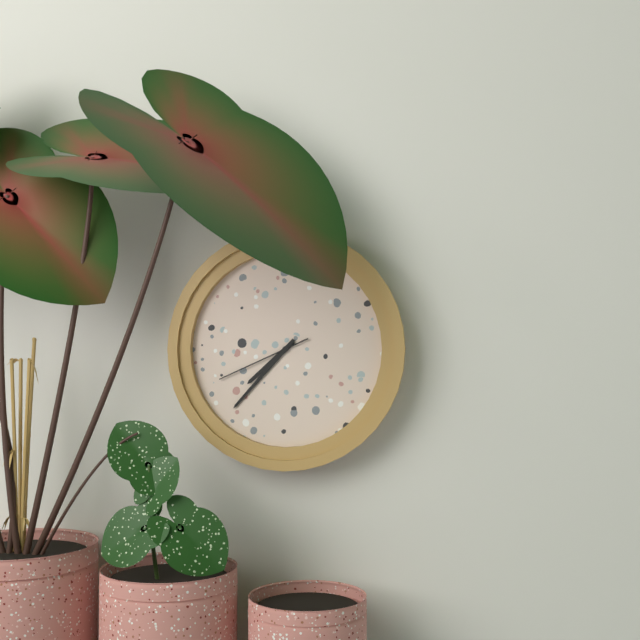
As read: 7:37:41
